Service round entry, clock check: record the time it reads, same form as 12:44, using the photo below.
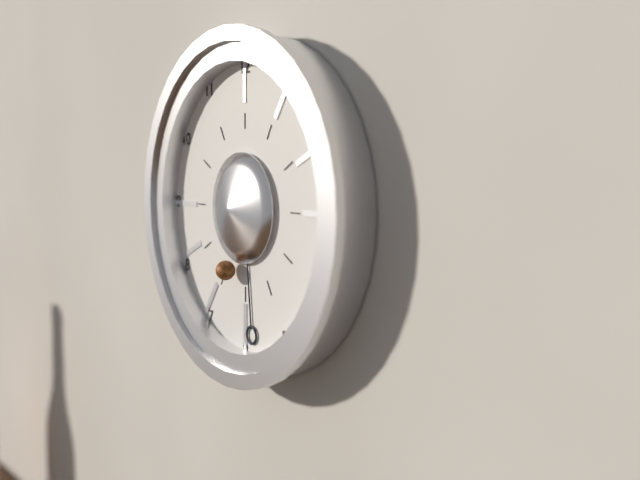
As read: 6:29
